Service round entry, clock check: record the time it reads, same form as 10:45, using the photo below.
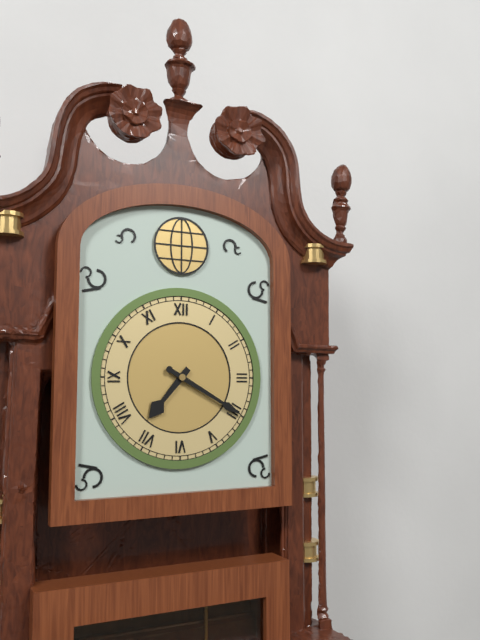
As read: 7:20
